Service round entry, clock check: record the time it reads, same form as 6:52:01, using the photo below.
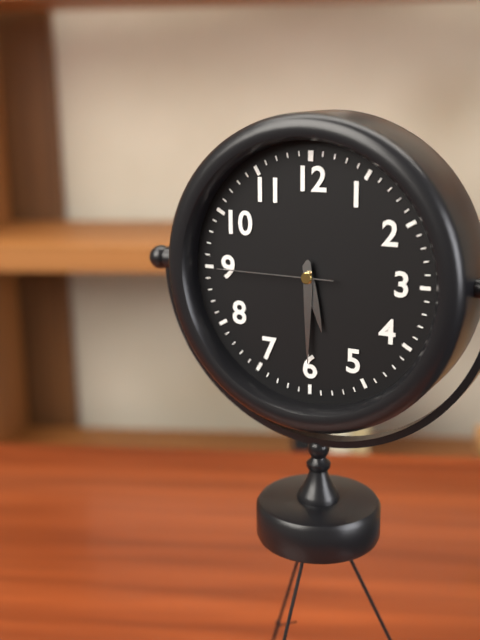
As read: 5:30:45
